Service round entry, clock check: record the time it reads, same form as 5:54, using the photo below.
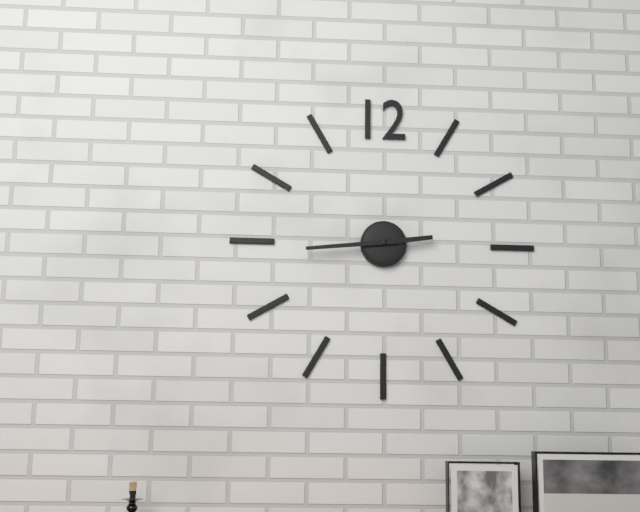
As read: 2:44
